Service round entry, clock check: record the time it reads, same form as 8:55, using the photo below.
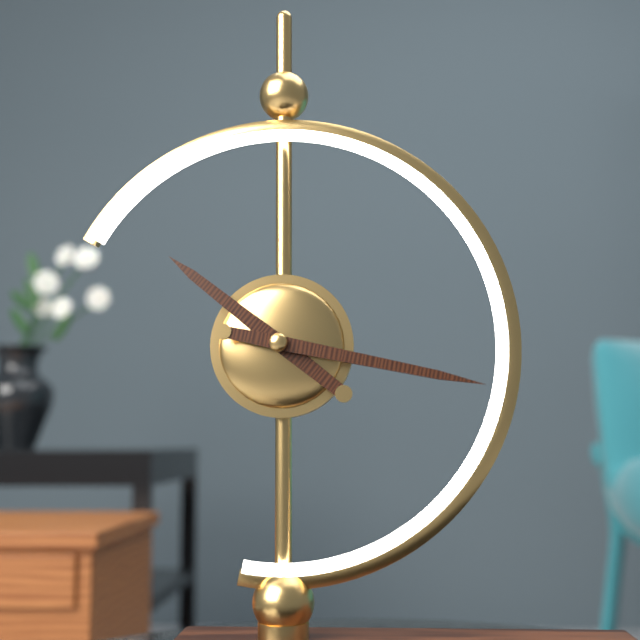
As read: 10:17
